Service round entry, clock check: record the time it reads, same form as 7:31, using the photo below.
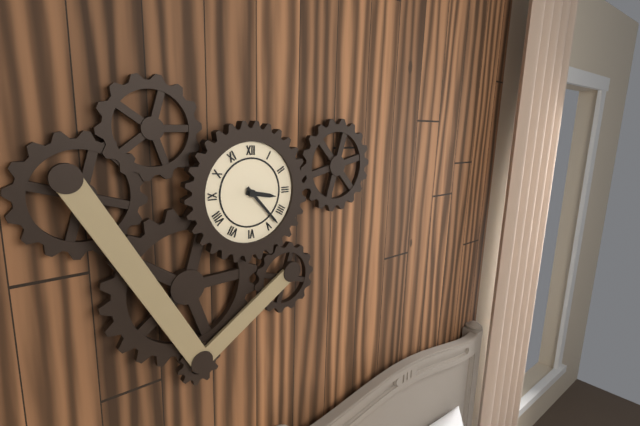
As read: 3:23
